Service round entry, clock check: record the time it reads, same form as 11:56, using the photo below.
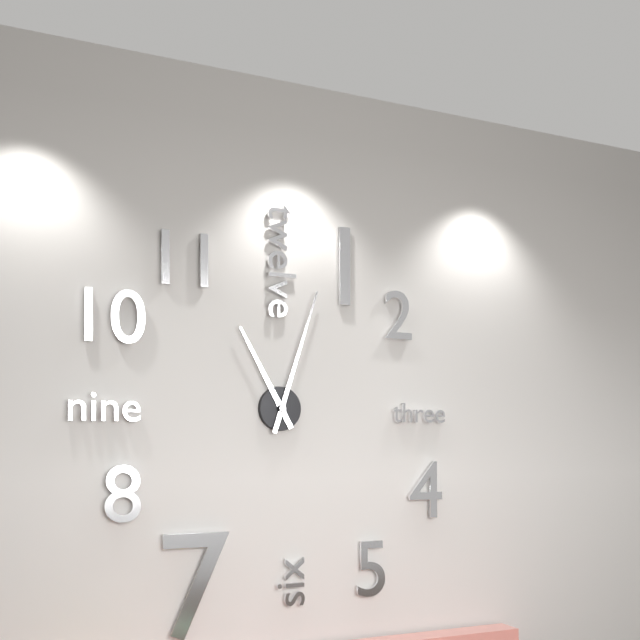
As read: 11:03
